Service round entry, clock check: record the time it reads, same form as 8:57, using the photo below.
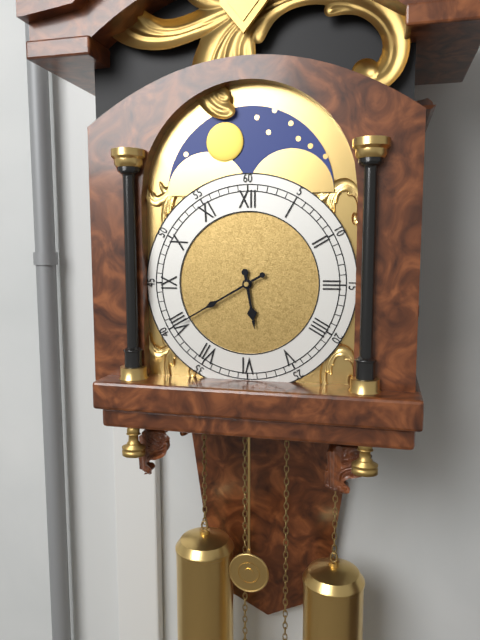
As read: 5:40
